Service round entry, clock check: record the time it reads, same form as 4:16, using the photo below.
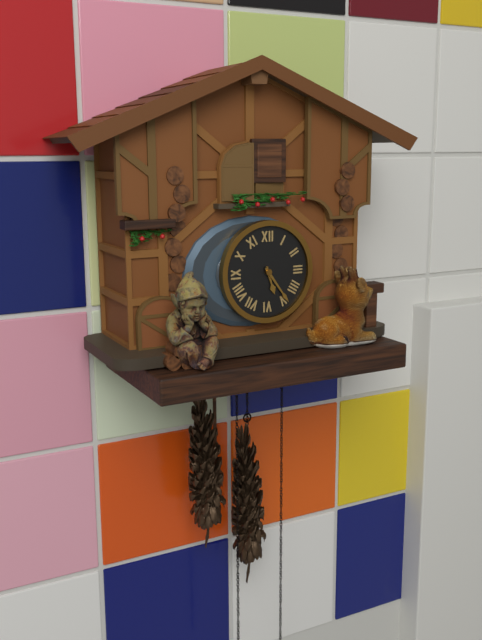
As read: 5:24
